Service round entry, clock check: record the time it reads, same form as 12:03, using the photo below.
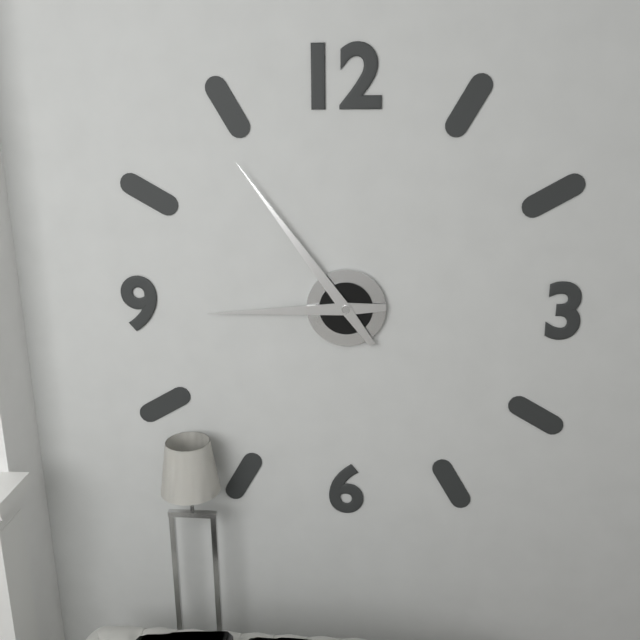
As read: 8:54
